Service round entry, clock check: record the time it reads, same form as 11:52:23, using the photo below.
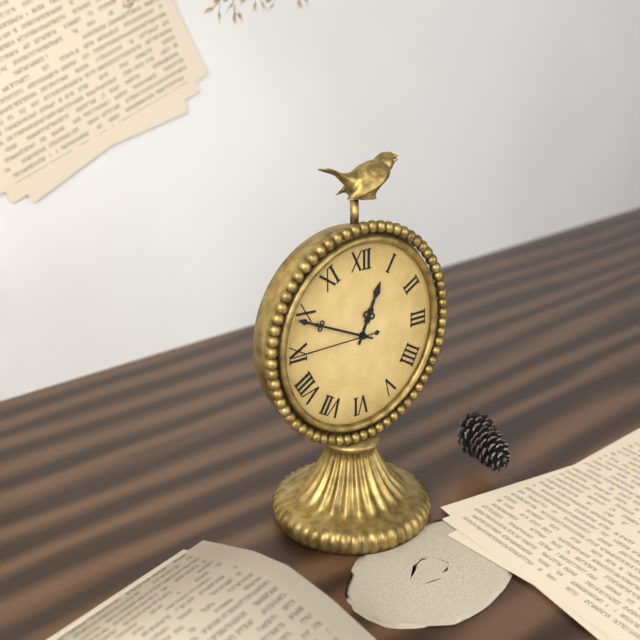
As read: 12:49:45
